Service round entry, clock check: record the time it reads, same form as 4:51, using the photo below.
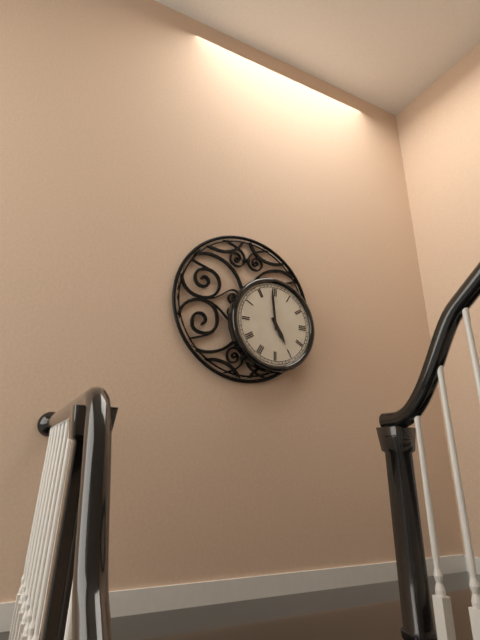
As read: 4:59
